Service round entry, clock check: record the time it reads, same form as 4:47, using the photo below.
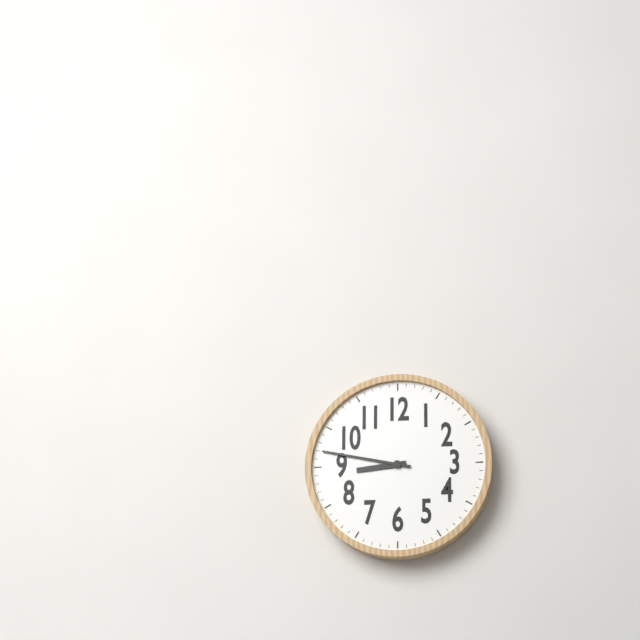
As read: 8:47
